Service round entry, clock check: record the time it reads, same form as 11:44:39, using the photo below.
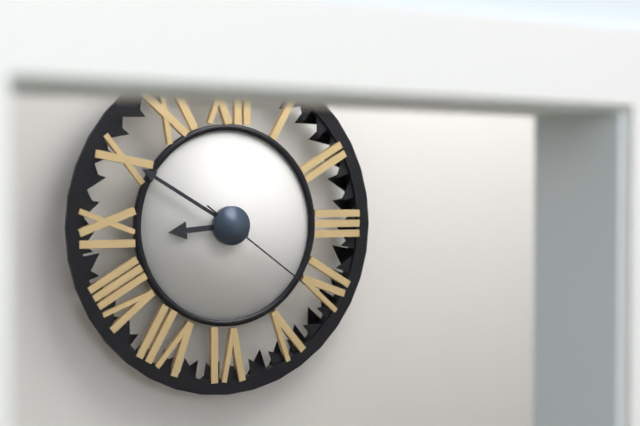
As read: 8:50:21
